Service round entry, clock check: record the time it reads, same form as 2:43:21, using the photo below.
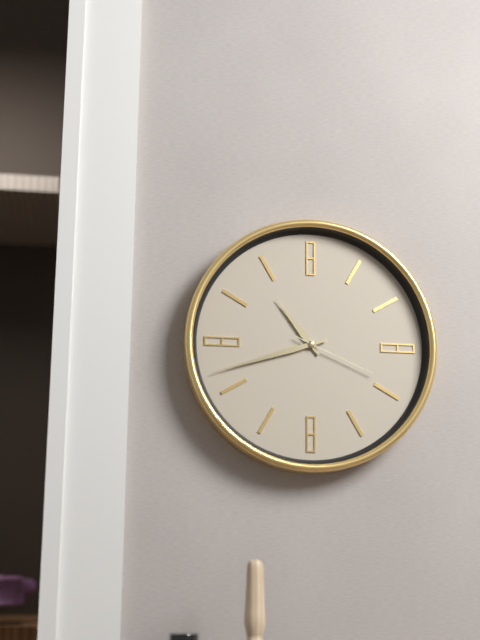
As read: 10:42:19
